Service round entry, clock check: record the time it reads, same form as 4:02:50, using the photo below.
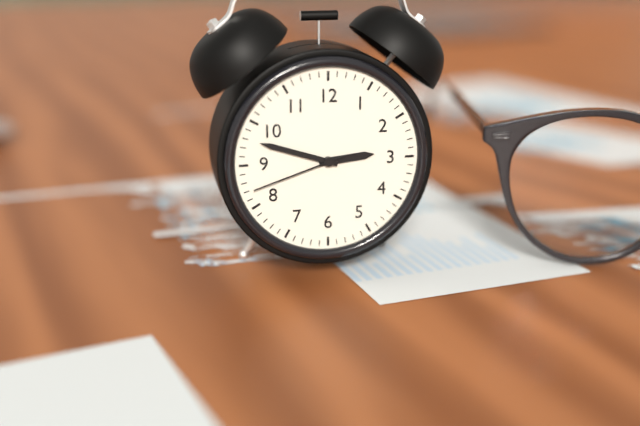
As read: 2:48:42
